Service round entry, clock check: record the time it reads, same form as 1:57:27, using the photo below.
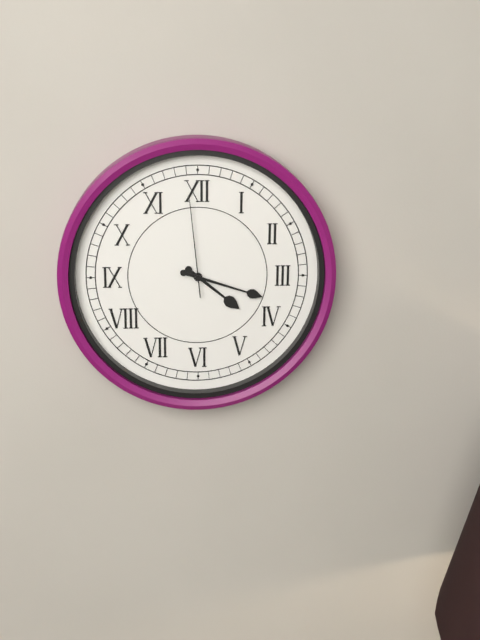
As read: 4:18:59
